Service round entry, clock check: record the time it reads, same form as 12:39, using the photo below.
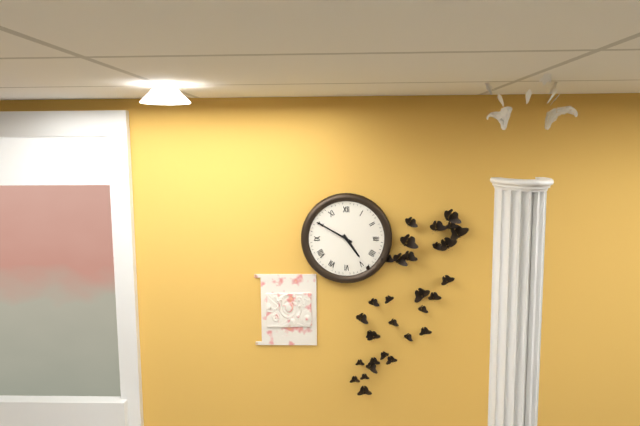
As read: 4:50
